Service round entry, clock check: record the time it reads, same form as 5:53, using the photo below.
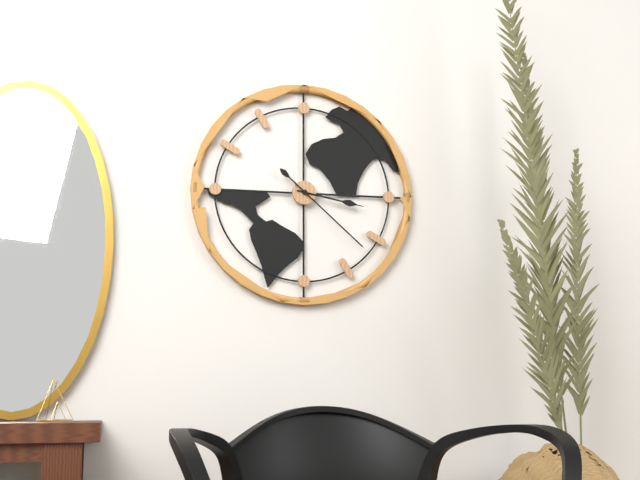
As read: 3:22
